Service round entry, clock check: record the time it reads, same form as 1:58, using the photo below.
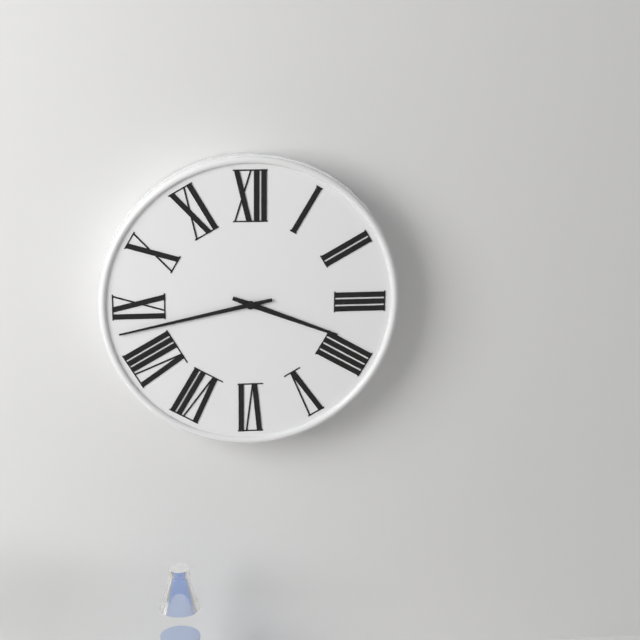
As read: 3:43
